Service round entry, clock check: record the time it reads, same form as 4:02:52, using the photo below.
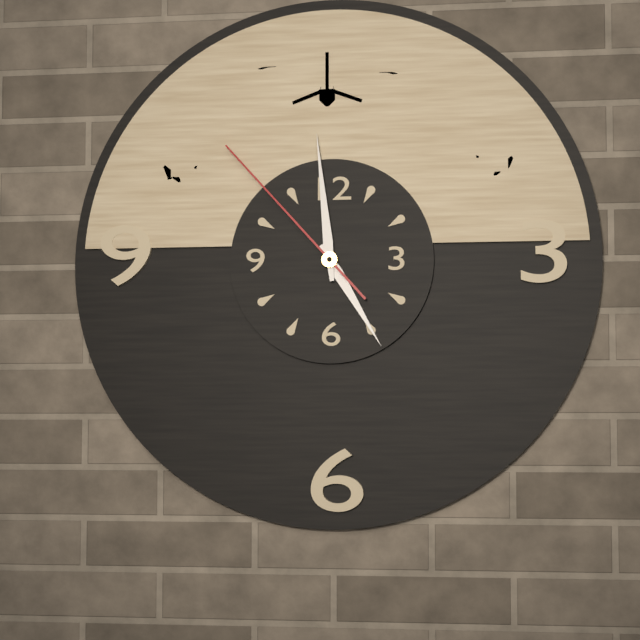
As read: 4:59:53
